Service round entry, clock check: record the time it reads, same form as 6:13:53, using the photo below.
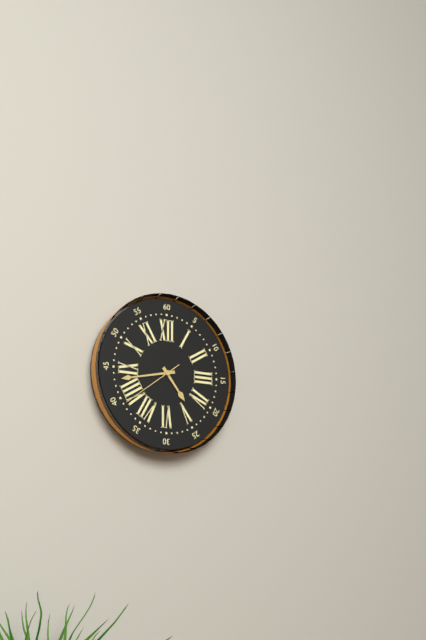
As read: 4:43:39
